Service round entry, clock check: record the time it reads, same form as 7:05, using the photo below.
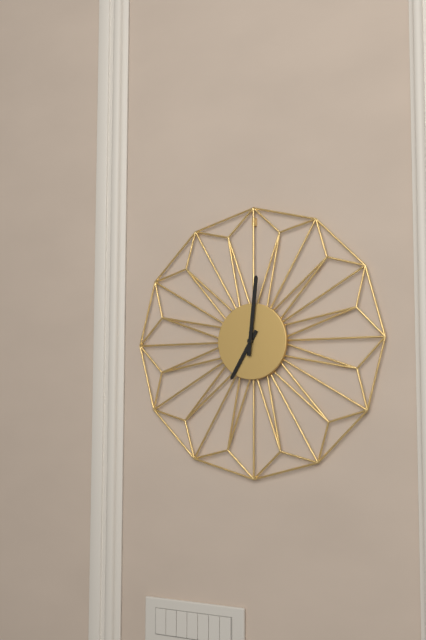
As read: 7:01
